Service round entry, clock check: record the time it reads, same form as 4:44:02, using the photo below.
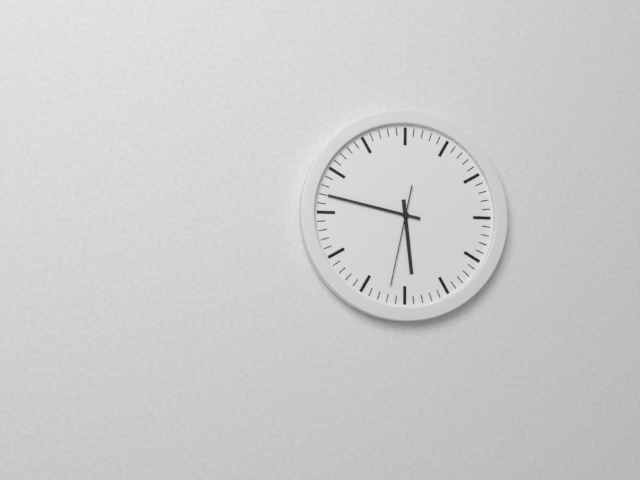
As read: 5:47:32
